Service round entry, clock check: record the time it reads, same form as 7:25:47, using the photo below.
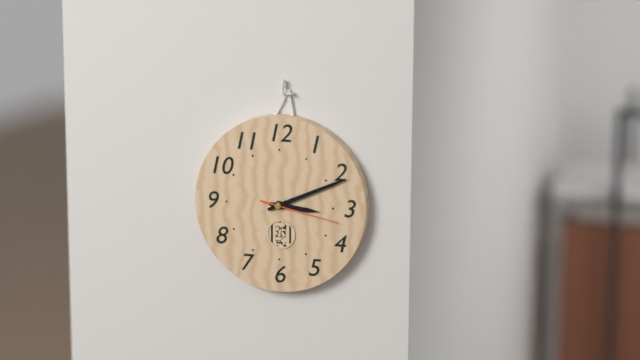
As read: 3:11:17
